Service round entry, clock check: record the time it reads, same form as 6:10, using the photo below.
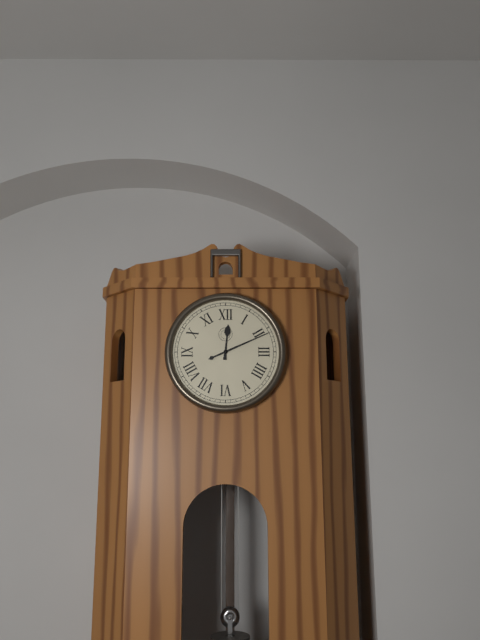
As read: 12:11
